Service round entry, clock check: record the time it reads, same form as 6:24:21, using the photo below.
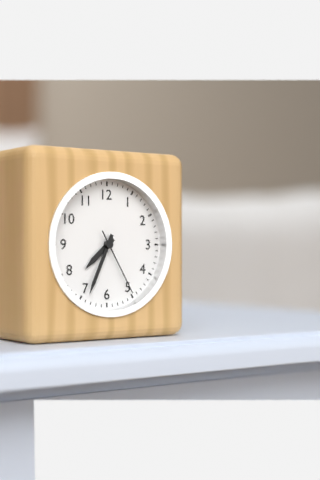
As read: 7:34:25
